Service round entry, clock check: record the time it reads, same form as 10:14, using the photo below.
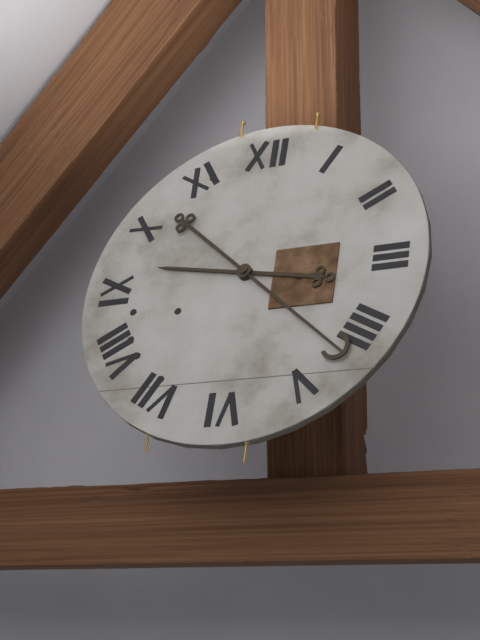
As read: 9:22
